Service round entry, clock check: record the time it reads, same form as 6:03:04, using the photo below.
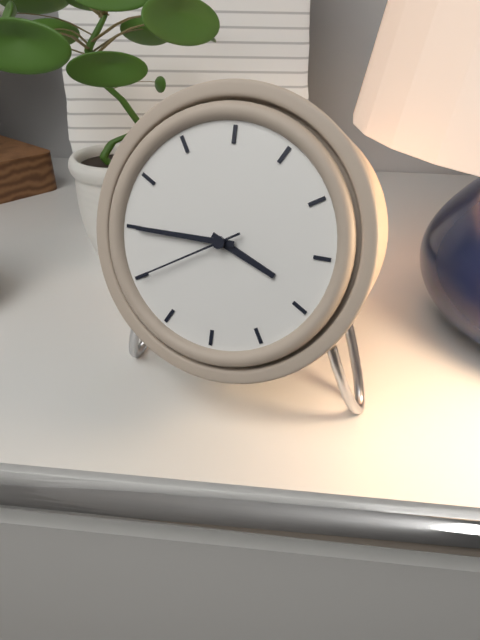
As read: 3:45:40
